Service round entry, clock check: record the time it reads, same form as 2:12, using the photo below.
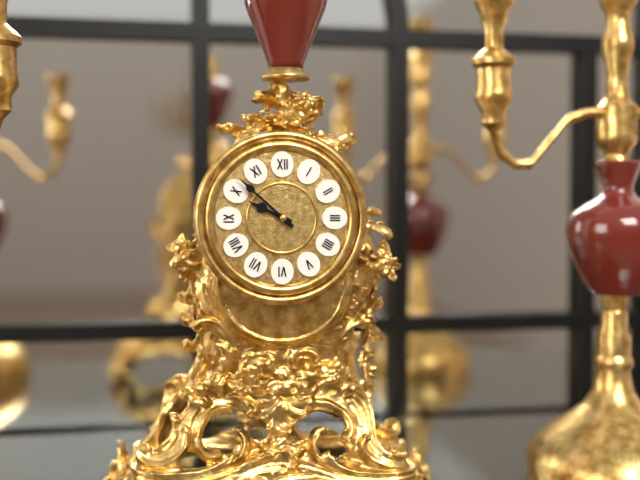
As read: 9:52
